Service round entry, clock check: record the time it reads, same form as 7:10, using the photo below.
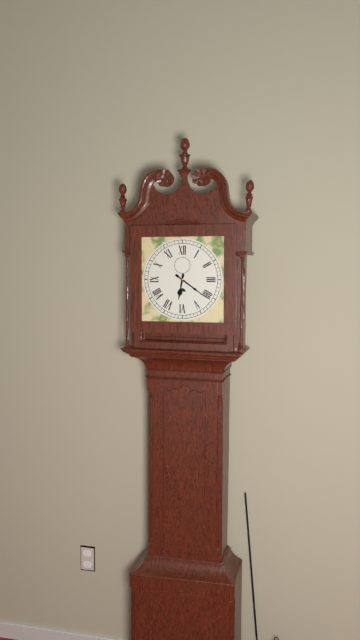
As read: 6:21
